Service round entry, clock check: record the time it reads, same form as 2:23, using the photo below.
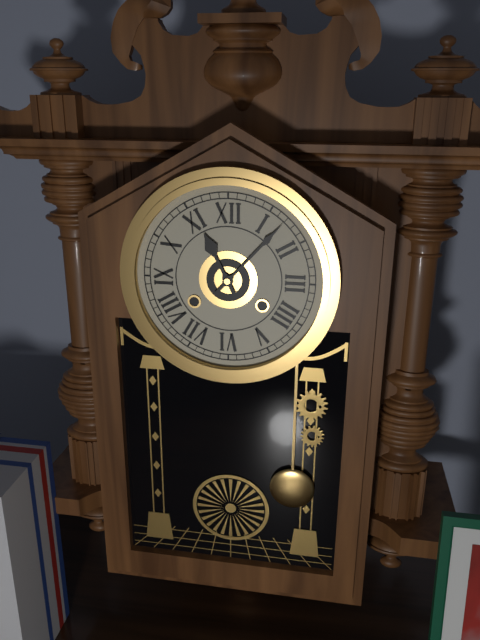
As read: 11:07
